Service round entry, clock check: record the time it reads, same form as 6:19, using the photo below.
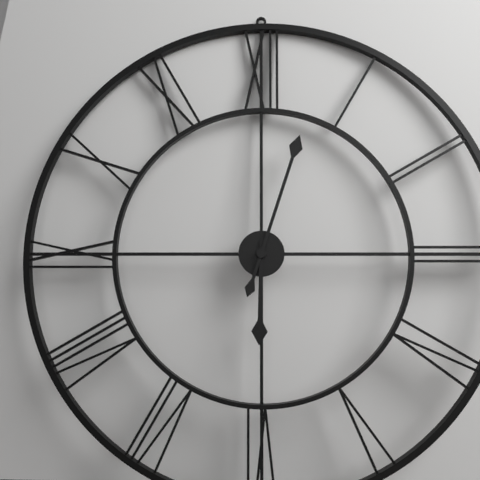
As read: 6:03
